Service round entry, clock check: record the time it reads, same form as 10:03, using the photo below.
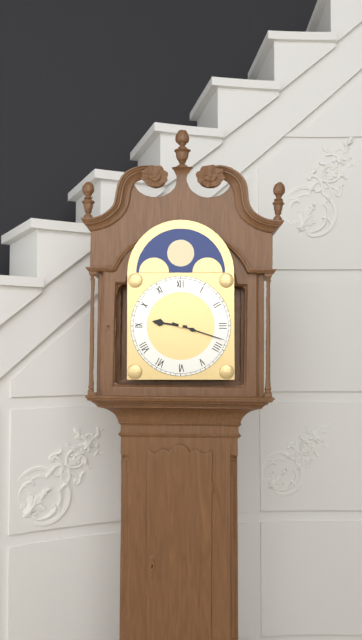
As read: 9:18
